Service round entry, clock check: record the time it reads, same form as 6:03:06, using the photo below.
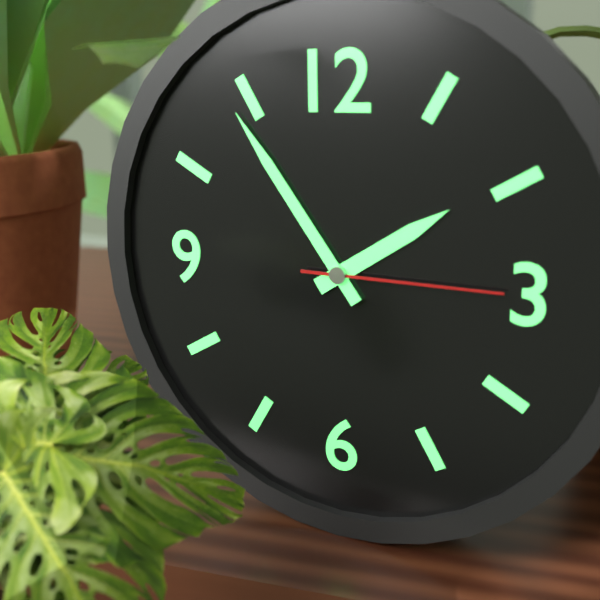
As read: 1:54:15
